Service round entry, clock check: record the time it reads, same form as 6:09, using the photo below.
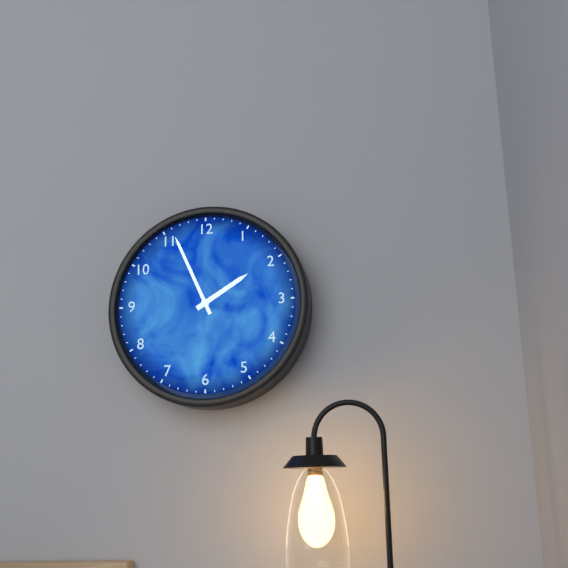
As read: 1:56
